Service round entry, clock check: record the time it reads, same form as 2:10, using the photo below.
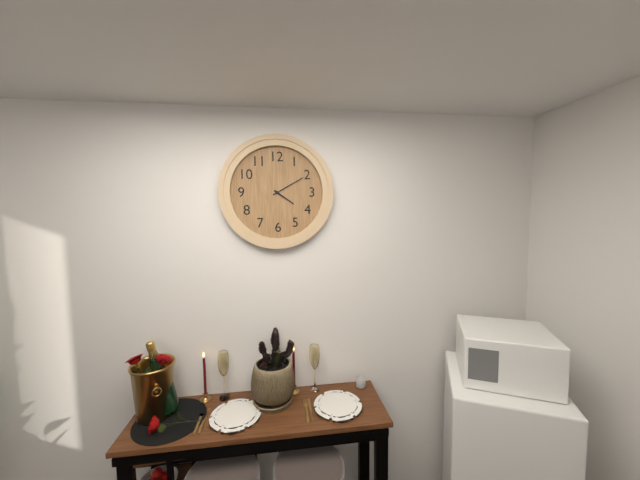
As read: 4:10
